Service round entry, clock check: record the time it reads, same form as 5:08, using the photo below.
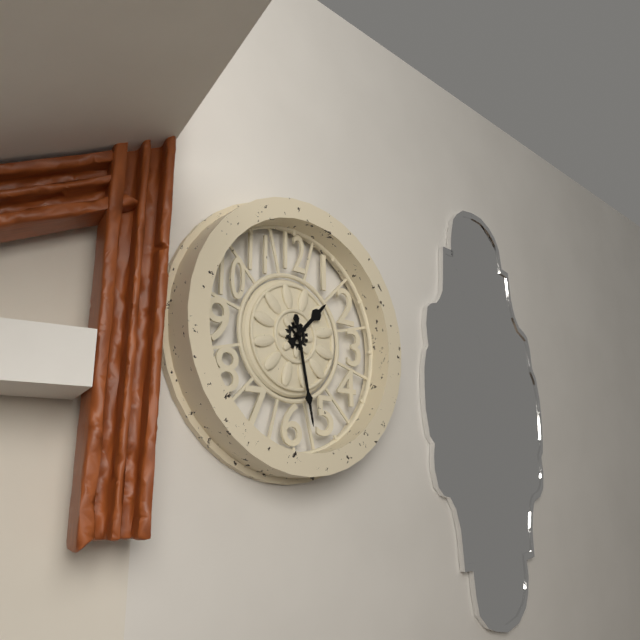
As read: 1:28
